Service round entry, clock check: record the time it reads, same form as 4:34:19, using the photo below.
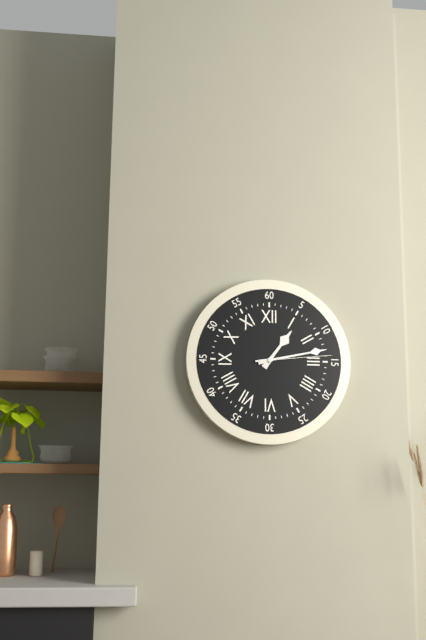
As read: 1:13:14
